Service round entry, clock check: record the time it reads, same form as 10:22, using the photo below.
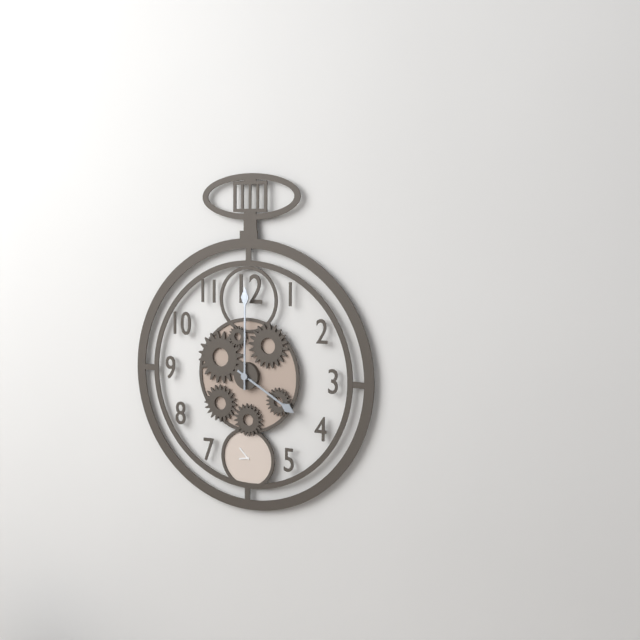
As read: 4:00
